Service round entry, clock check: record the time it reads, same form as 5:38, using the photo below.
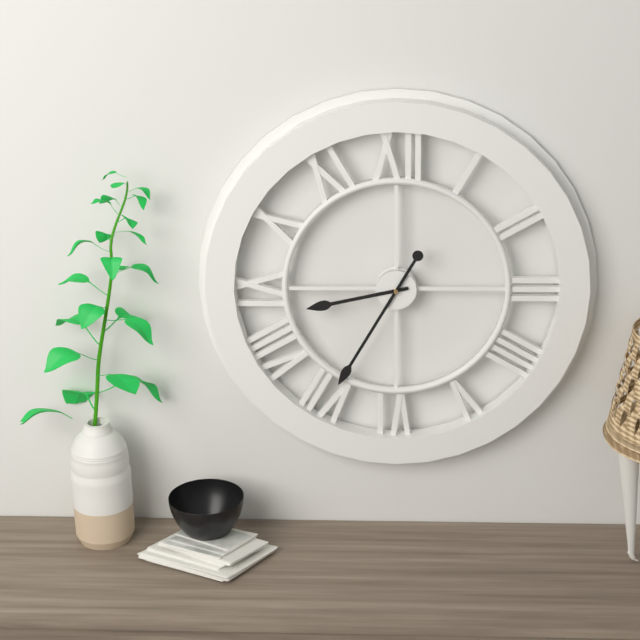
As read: 8:35
